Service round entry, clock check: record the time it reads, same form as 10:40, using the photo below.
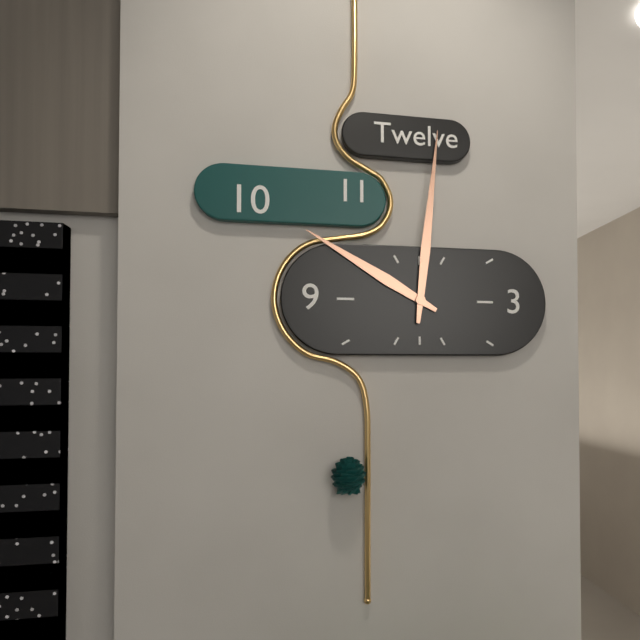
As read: 10:01
